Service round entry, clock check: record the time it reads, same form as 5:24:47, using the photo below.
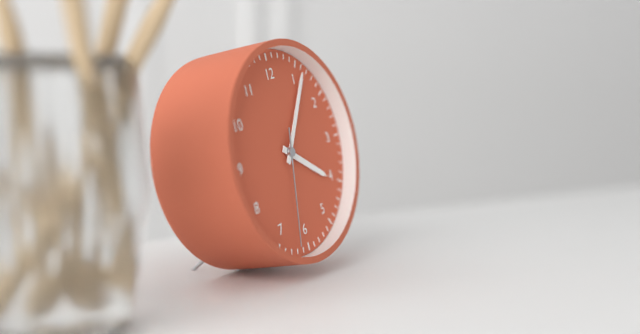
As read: 4:06:32
